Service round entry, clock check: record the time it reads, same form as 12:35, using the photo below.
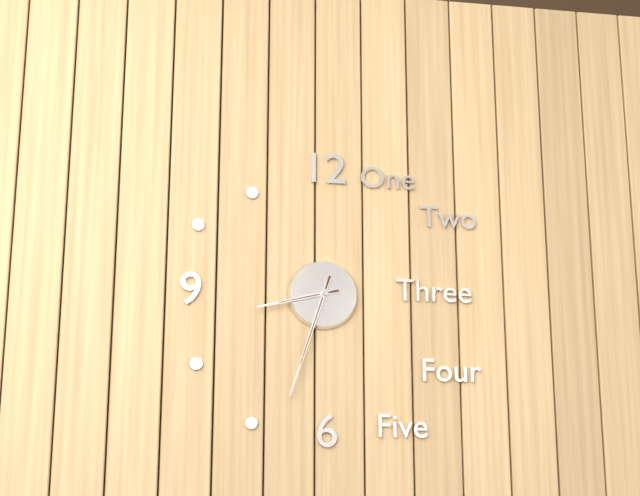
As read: 8:33
